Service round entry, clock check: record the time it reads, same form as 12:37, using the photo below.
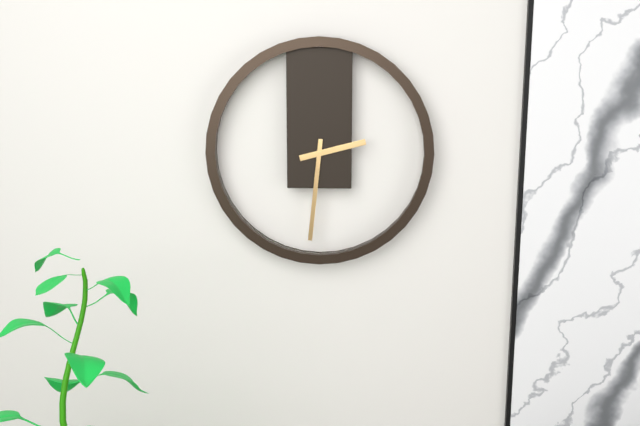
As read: 2:31
